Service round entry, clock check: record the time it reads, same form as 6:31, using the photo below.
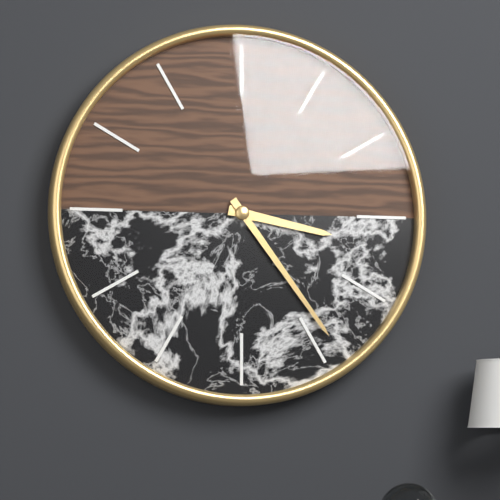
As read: 3:24
